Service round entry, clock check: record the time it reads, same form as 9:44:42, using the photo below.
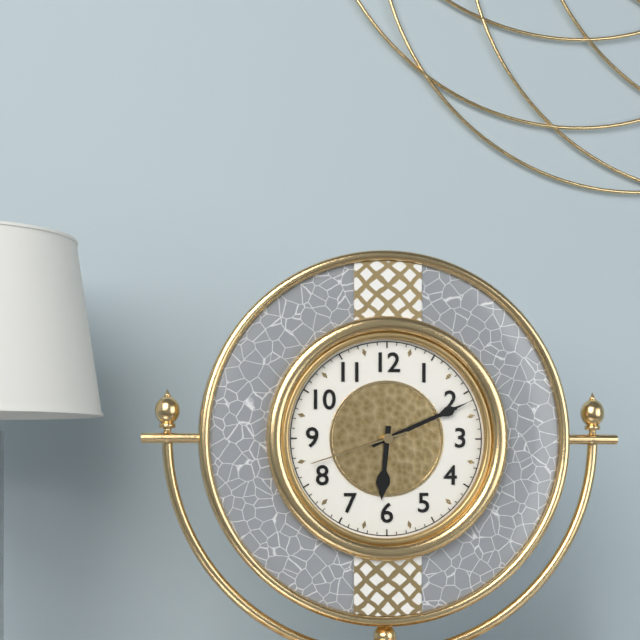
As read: 6:11:42
